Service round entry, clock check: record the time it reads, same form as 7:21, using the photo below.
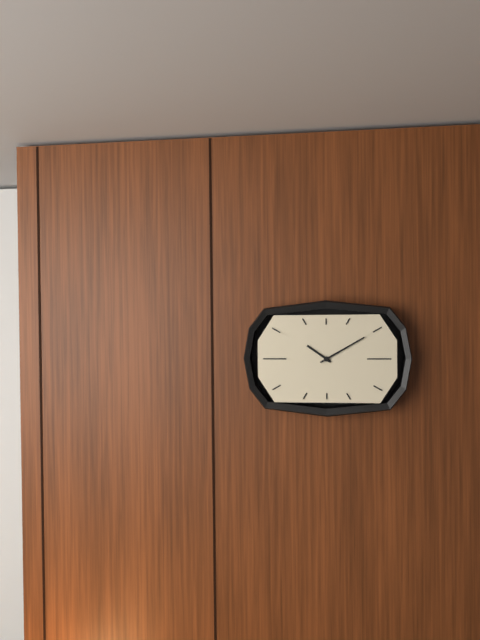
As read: 10:10
